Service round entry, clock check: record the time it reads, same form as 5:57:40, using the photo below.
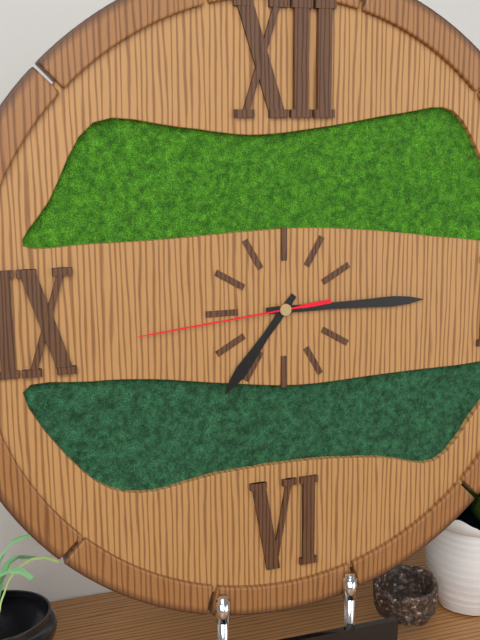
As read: 7:15:44
